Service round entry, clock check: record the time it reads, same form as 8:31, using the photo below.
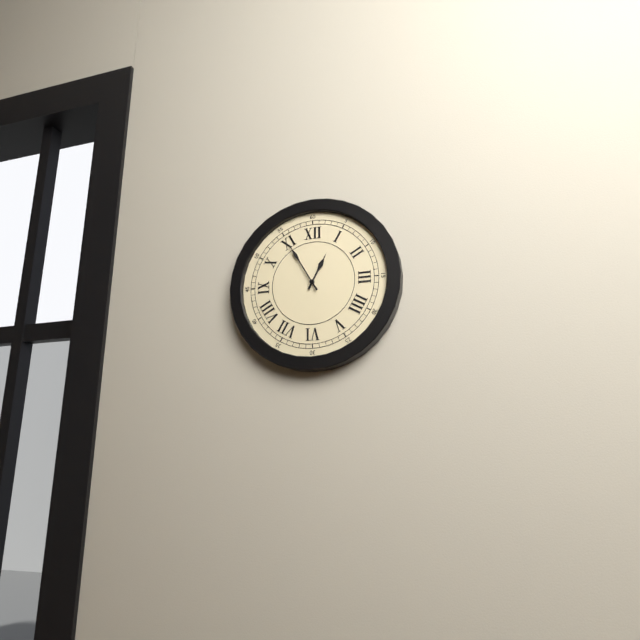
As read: 12:55
